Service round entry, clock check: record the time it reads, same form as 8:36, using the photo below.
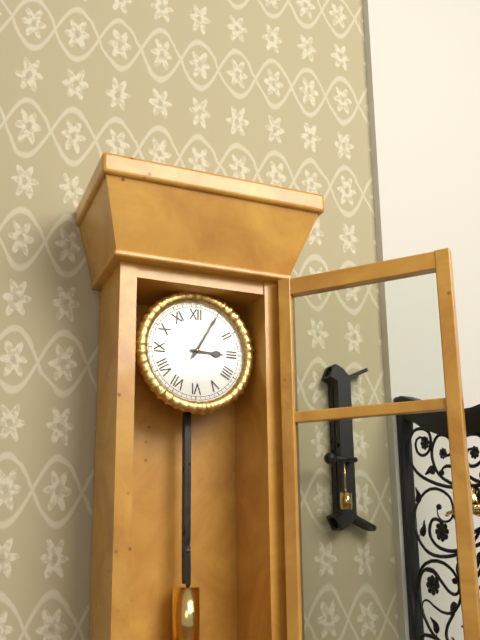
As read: 3:05
